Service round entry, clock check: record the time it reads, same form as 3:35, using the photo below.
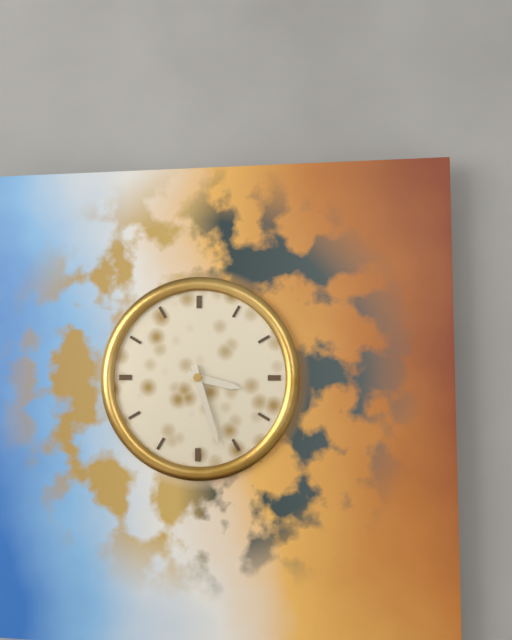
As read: 3:27
